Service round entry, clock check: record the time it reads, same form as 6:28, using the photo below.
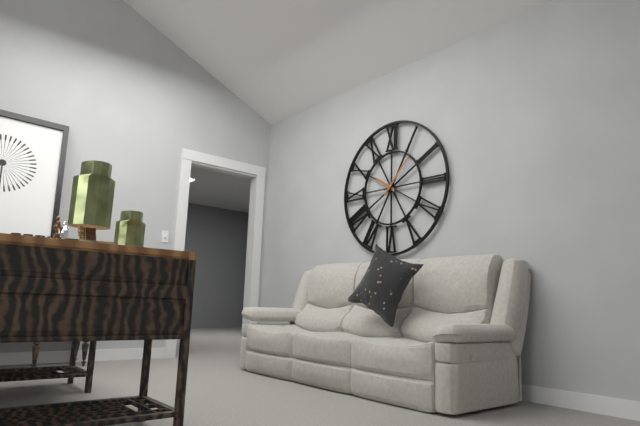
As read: 10:07
